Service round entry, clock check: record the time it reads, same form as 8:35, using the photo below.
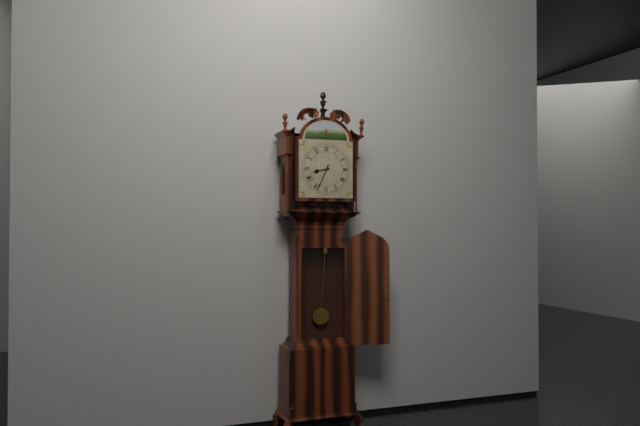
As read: 8:34
